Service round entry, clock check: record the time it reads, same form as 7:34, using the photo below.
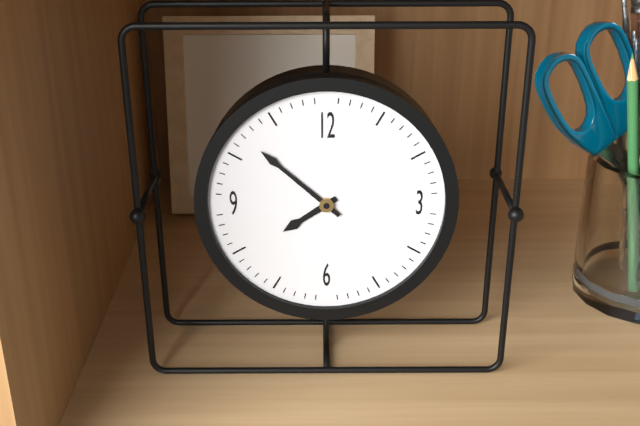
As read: 7:52
